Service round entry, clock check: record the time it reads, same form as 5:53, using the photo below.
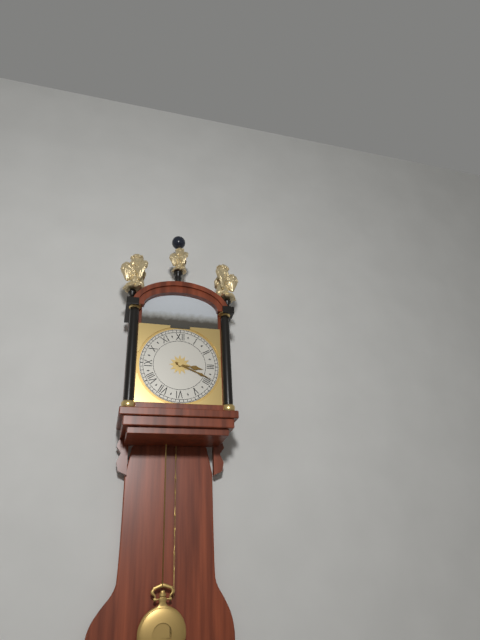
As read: 3:19
